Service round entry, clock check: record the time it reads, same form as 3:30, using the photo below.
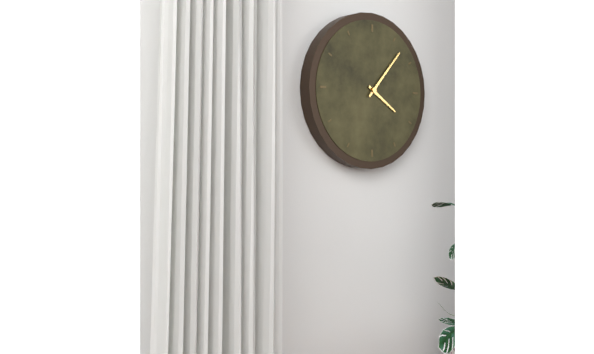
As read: 4:07
